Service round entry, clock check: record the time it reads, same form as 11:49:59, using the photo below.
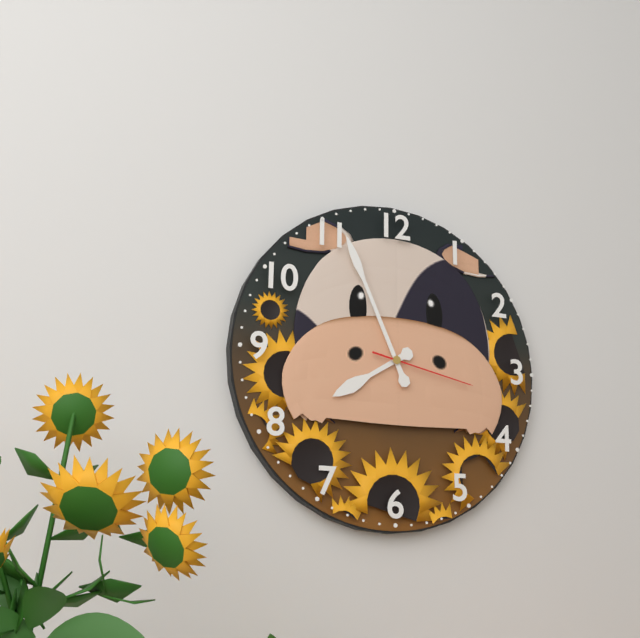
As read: 7:56:17
